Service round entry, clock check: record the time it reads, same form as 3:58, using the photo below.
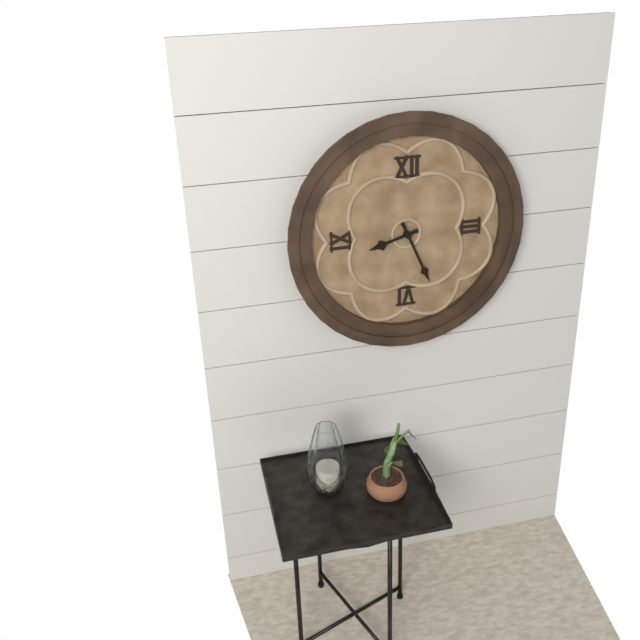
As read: 8:26
